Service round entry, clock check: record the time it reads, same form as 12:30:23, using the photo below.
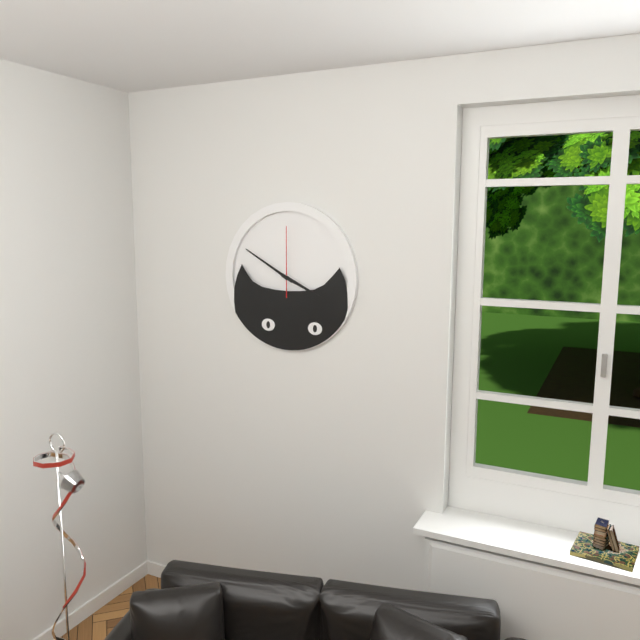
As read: 3:50:00
